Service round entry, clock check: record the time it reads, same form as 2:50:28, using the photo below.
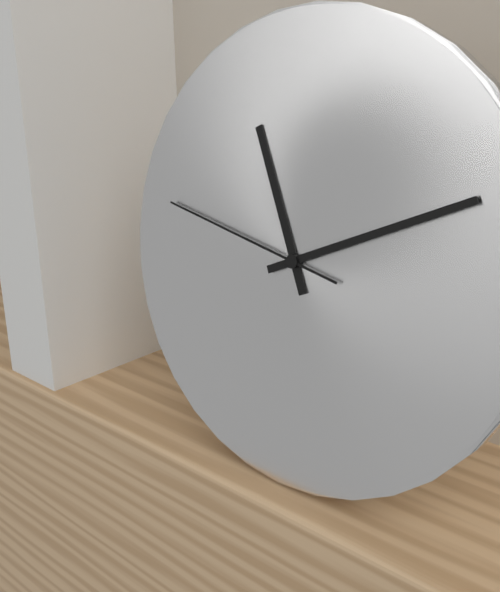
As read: 11:11:47
